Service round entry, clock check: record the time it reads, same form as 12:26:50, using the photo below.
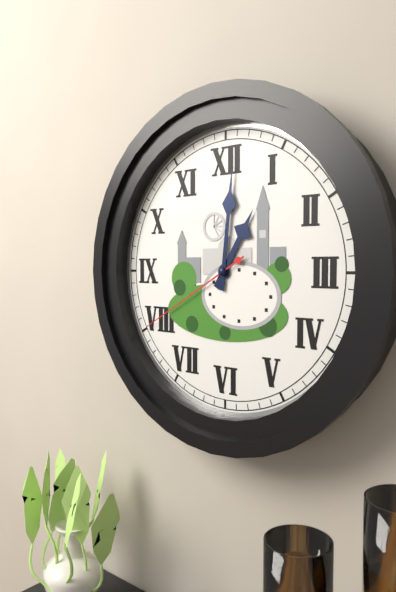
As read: 1:01:40
